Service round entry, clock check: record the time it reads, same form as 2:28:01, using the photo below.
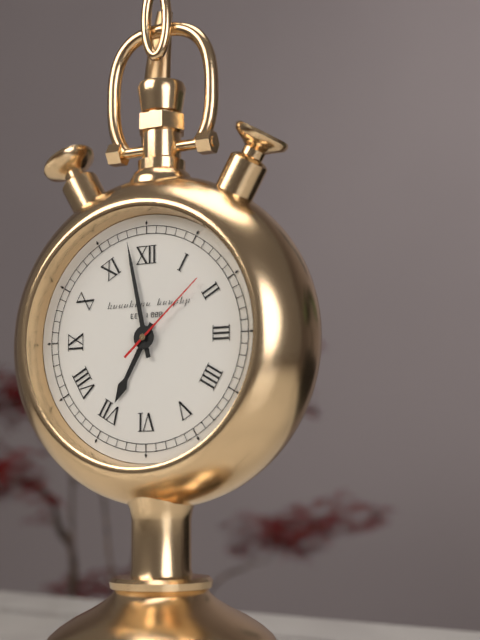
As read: 6:58:08
